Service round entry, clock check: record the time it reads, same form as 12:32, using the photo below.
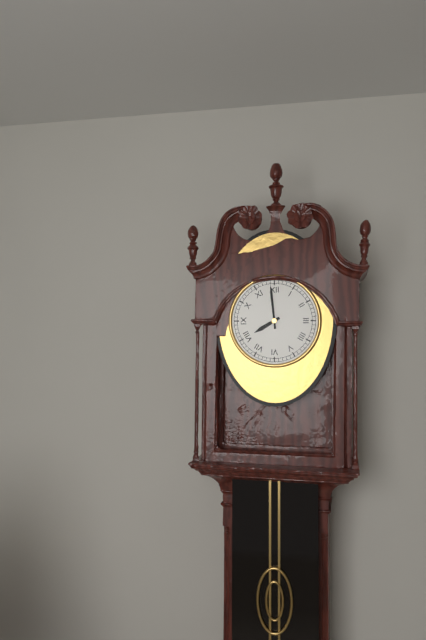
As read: 7:59
